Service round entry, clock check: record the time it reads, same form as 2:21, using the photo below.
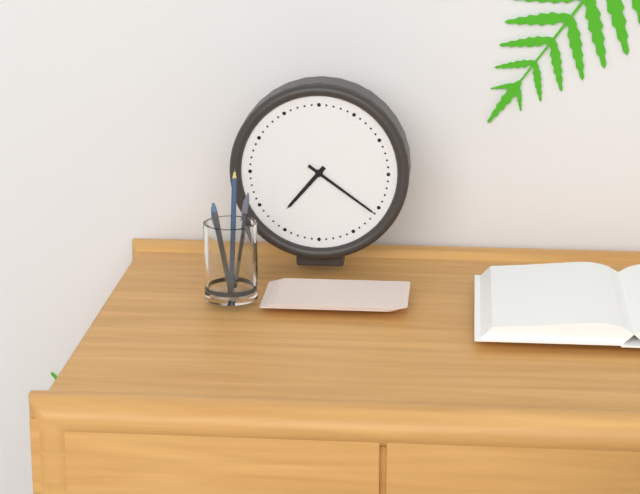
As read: 7:21
